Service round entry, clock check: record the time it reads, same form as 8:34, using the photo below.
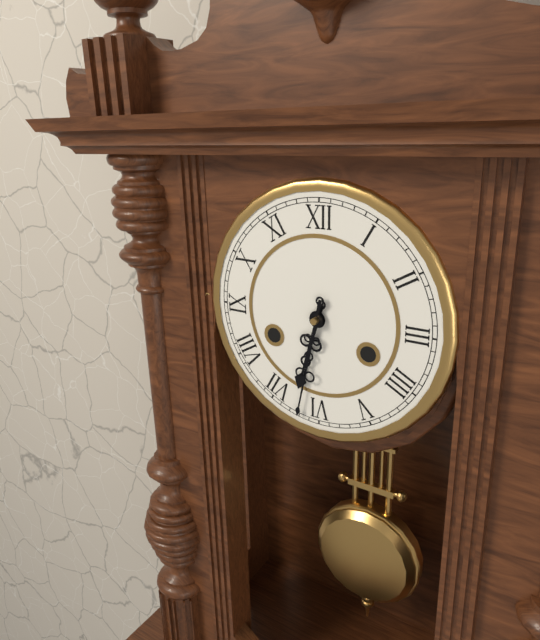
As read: 6:32
